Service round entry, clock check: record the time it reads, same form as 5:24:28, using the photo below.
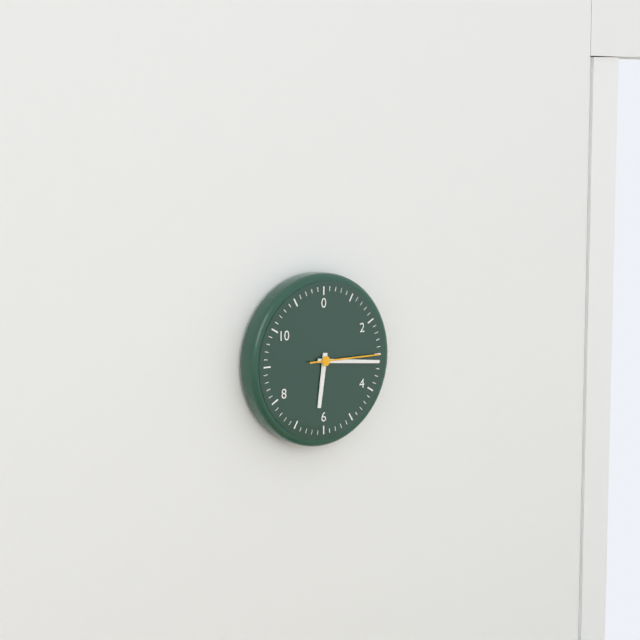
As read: 6:16:15
